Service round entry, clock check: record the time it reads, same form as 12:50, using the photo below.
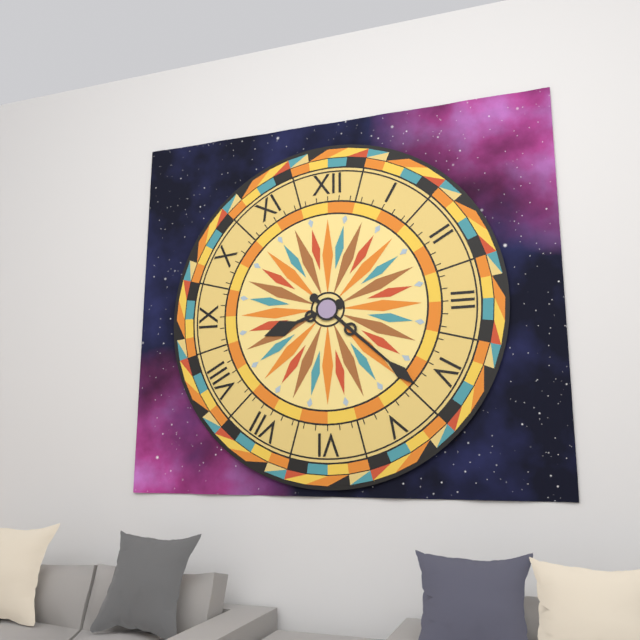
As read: 8:22
